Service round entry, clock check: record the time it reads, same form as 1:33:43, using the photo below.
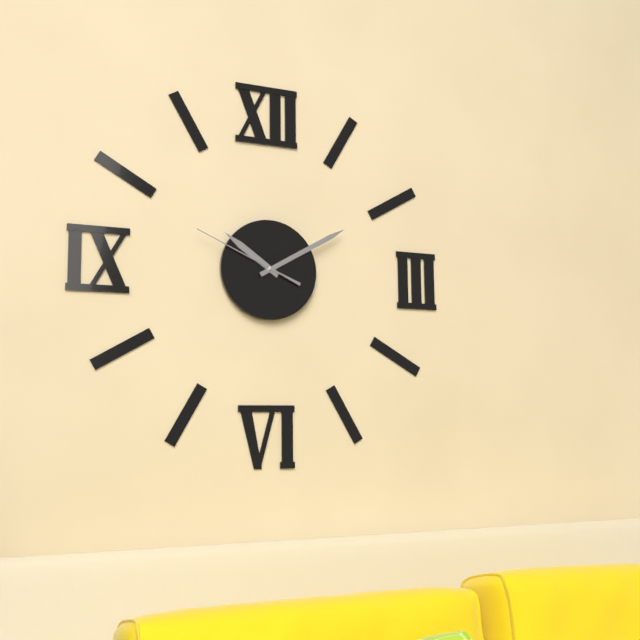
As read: 10:10:49
